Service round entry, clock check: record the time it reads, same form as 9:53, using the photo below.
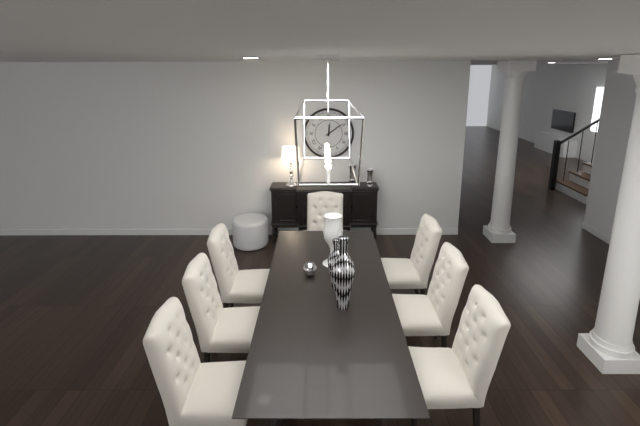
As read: 12:09
